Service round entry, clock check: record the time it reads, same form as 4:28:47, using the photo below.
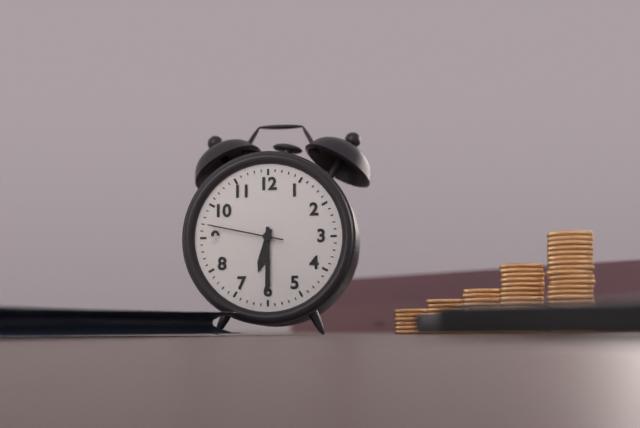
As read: 6:30:47
